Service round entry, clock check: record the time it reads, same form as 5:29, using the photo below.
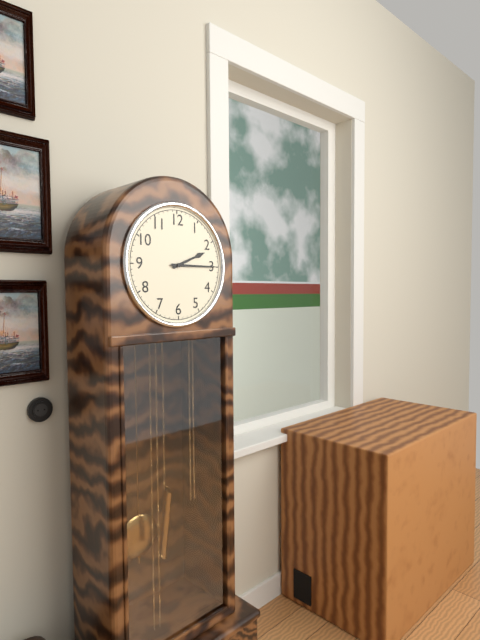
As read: 2:15
